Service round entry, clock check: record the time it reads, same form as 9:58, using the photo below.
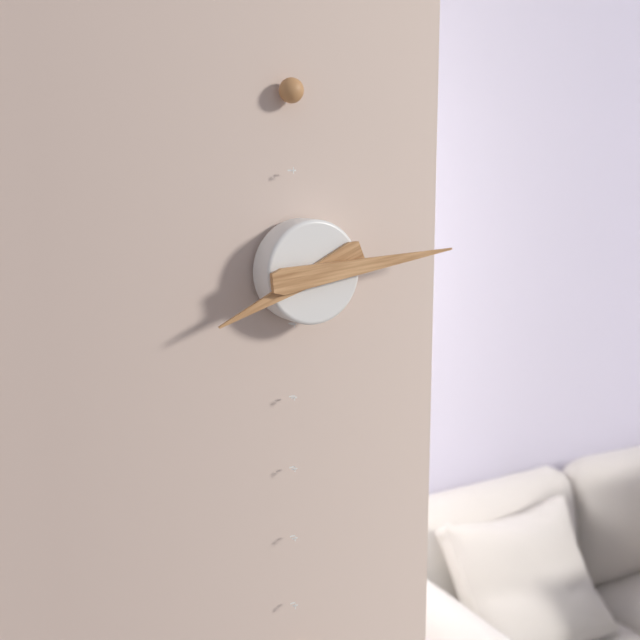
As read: 8:14
